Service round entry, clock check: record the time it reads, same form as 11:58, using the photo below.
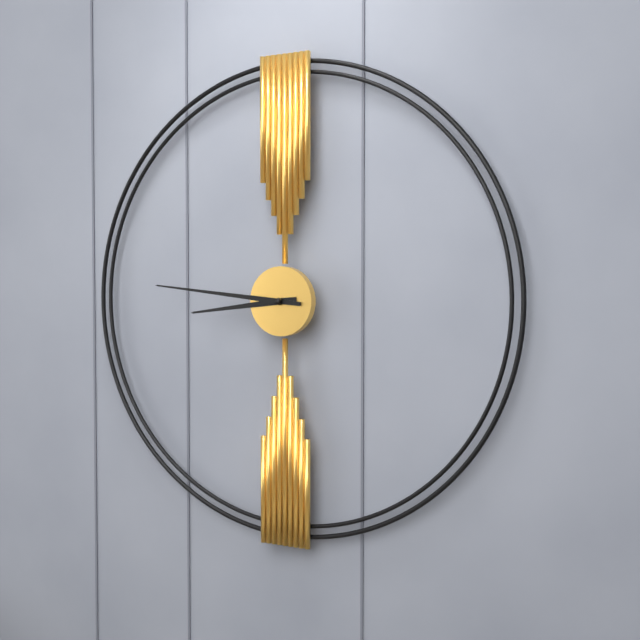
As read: 8:46
